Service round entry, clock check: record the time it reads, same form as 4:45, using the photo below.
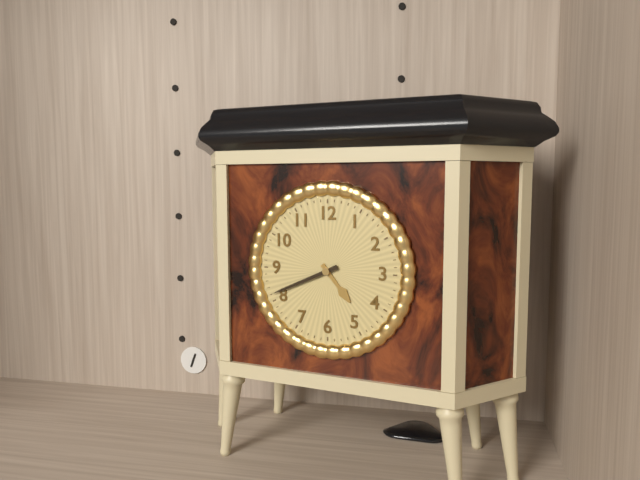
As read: 4:41
